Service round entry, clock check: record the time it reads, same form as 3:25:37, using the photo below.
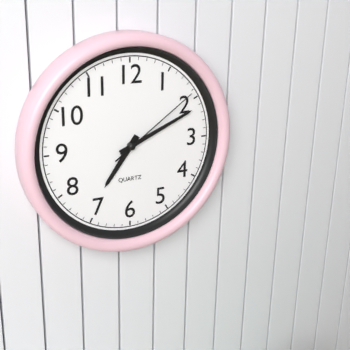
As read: 7:11:09
